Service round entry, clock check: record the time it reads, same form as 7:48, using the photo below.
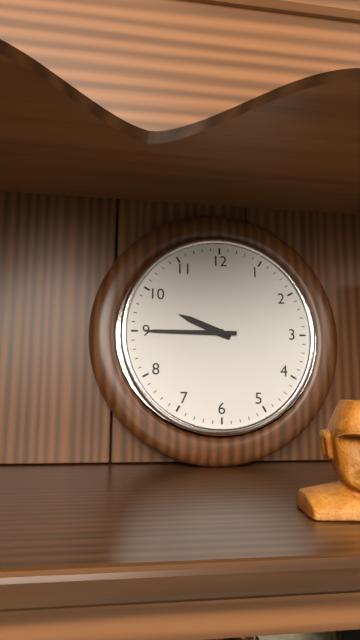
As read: 9:45
